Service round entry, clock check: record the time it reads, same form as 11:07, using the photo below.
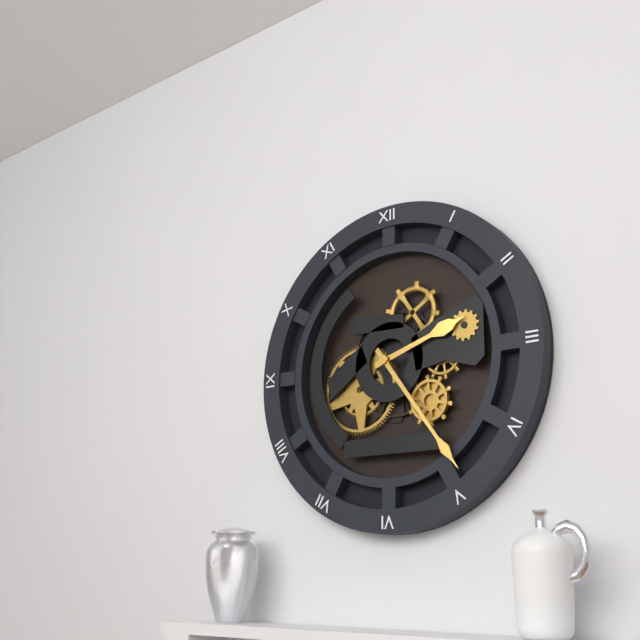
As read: 2:24
